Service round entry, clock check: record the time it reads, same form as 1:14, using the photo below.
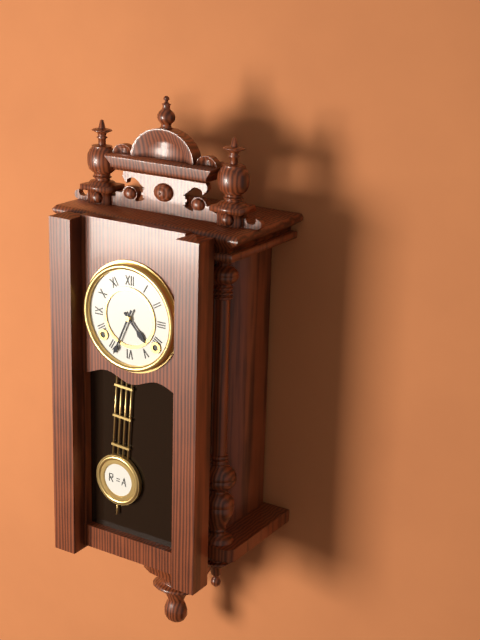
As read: 4:34
